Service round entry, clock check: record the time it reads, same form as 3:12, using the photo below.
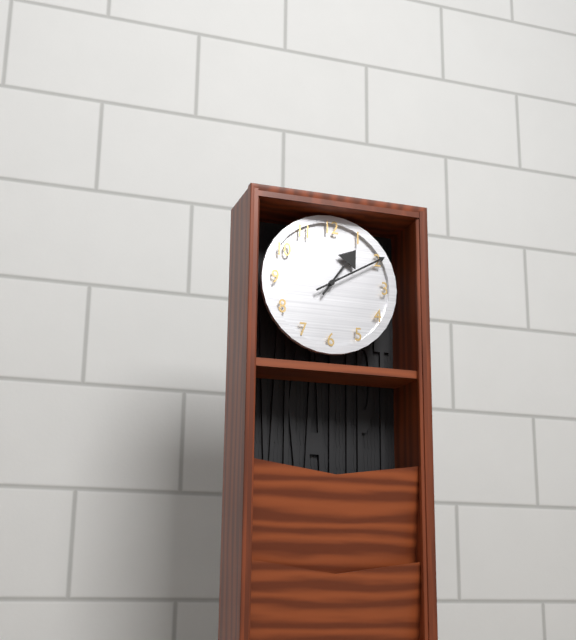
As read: 1:10
